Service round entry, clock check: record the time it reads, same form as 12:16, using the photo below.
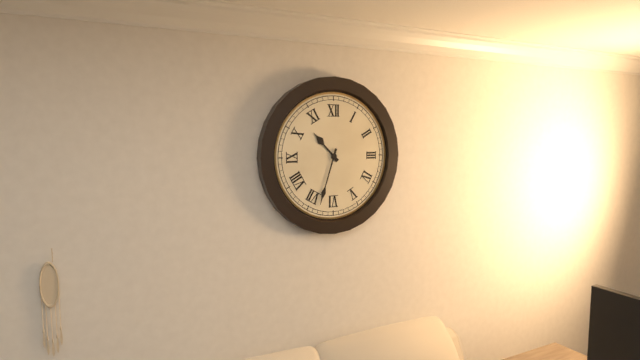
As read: 10:33
